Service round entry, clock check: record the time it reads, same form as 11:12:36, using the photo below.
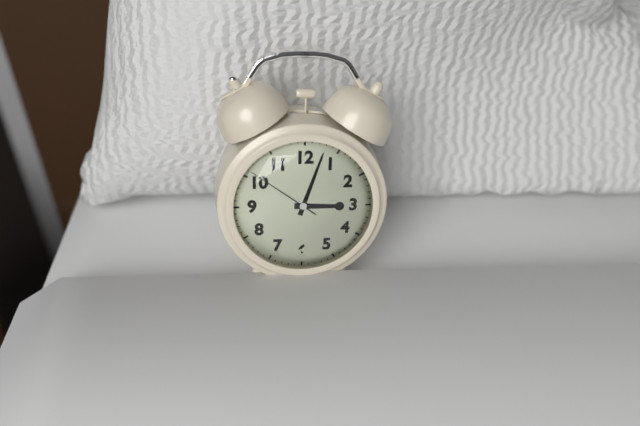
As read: 3:03:51
